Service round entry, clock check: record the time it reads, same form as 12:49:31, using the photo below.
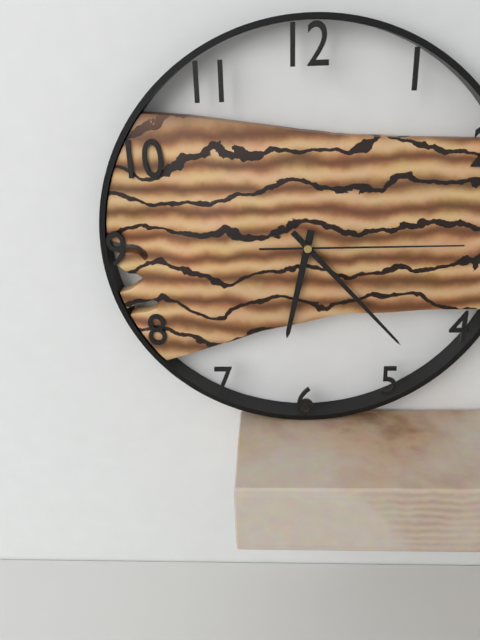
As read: 6:23:15
